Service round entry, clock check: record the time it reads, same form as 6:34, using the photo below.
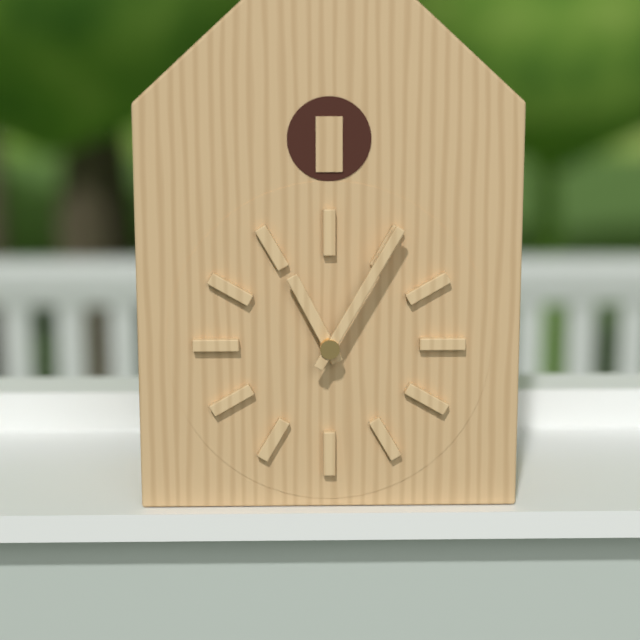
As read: 11:05
